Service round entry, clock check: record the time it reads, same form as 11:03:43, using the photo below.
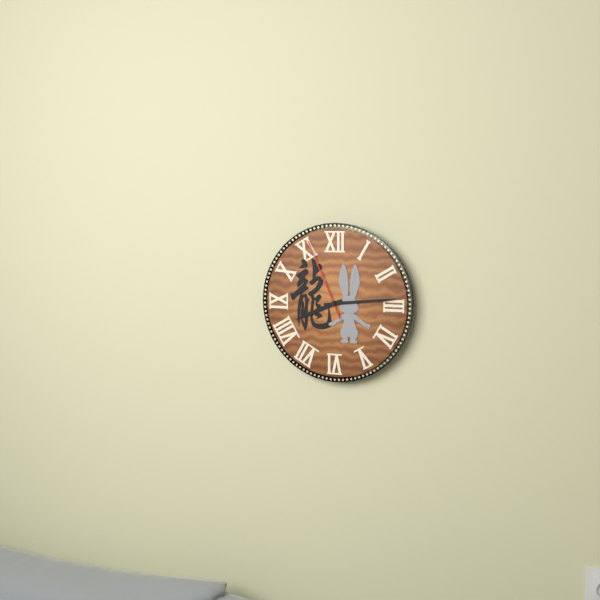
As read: 8:14:56
